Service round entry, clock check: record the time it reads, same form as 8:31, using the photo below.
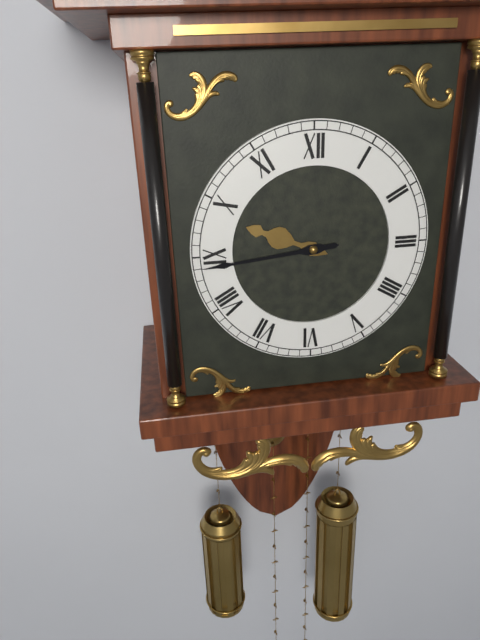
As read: 9:44
